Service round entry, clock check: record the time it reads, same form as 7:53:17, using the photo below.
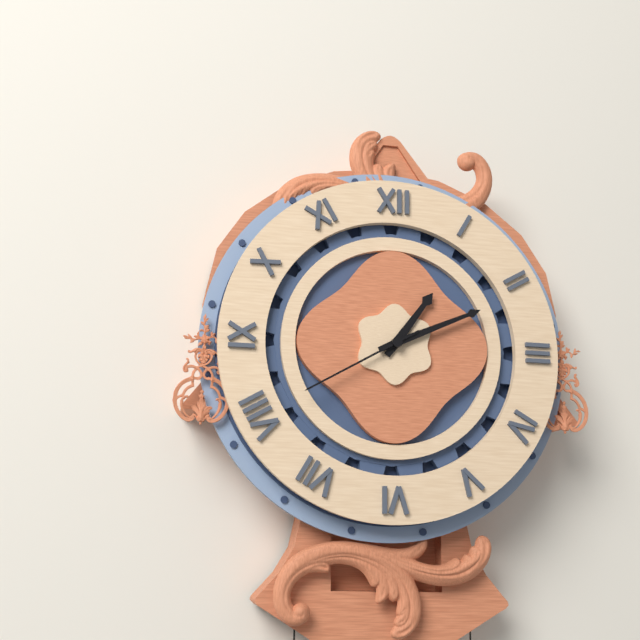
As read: 1:11:40
